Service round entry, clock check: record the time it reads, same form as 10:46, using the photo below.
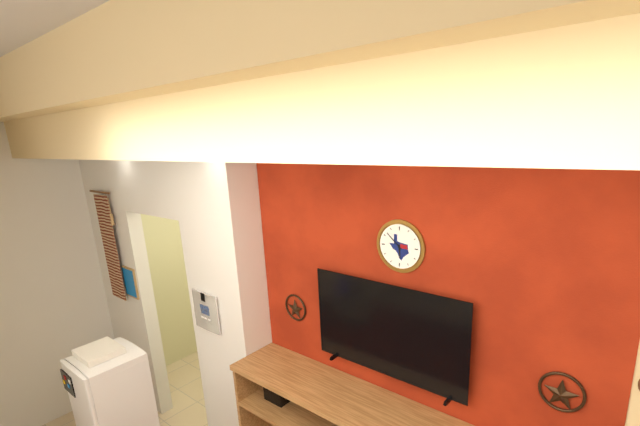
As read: 5:52
